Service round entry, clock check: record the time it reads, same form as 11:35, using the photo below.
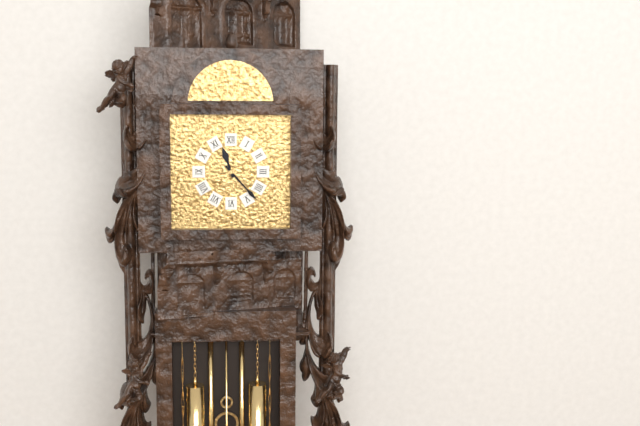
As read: 11:23
